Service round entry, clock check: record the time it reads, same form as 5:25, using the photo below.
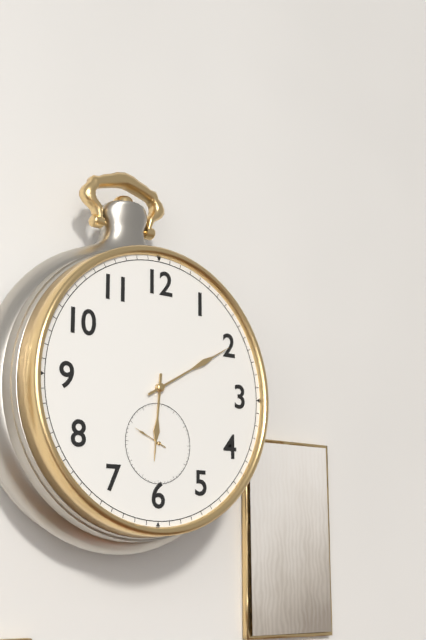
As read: 6:10
